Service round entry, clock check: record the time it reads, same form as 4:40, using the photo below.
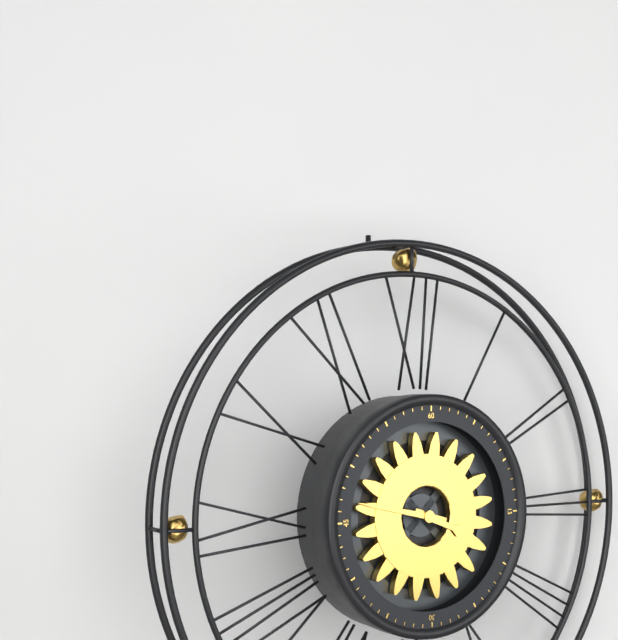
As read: 3:47
